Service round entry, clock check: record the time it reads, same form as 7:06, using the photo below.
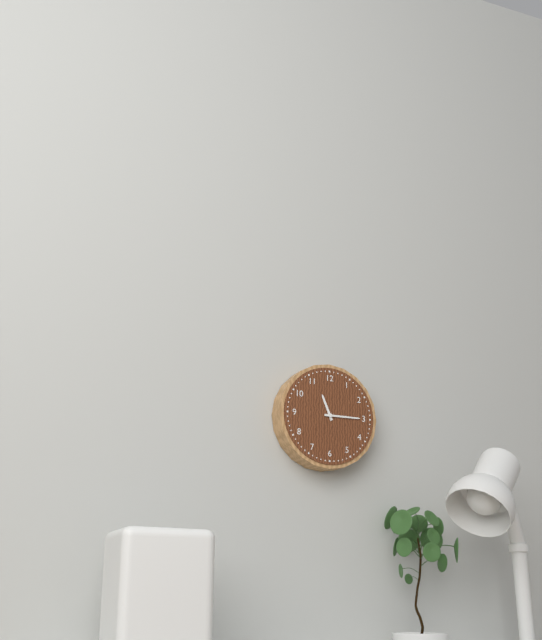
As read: 11:15
